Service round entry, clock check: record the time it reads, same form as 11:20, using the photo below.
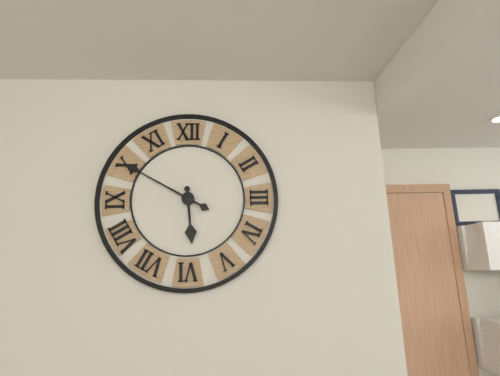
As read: 5:50
